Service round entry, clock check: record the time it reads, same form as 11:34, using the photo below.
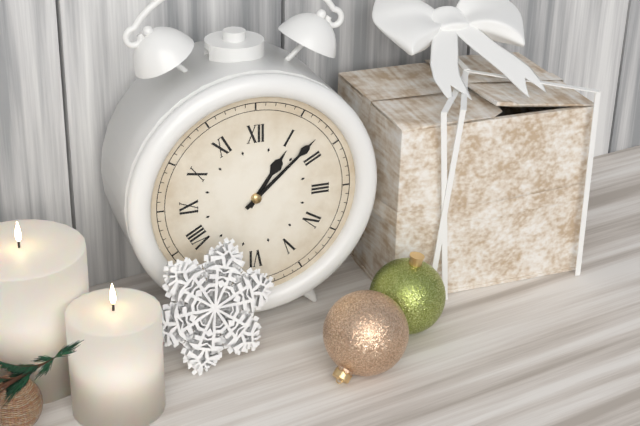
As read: 1:08
